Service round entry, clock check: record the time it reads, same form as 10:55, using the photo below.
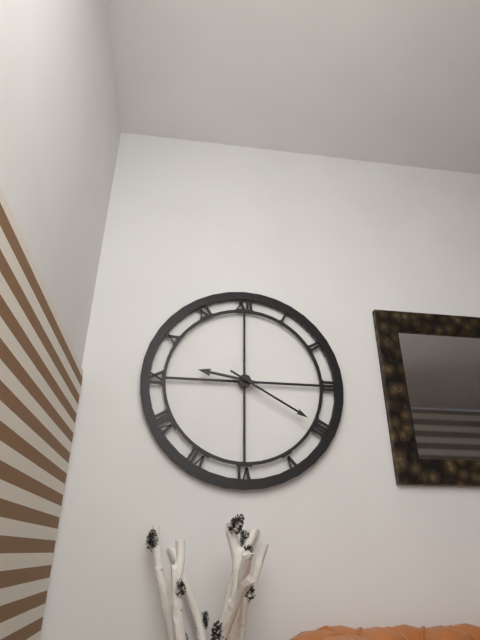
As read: 9:20
